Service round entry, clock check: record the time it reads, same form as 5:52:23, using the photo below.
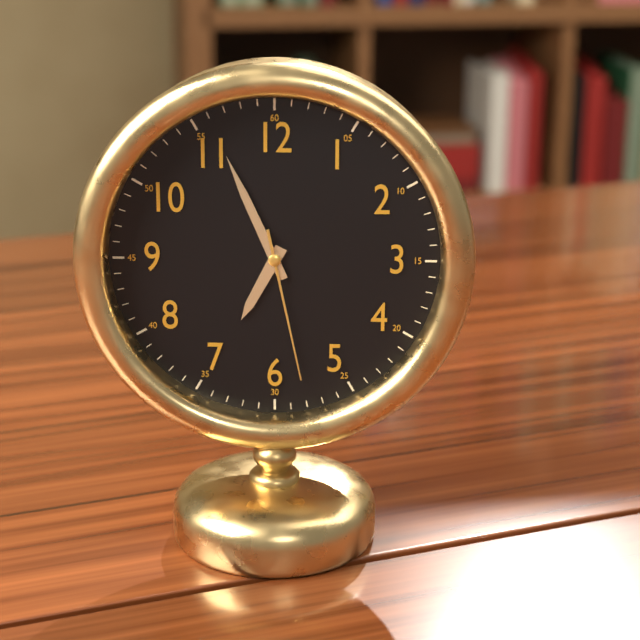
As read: 6:56:28
